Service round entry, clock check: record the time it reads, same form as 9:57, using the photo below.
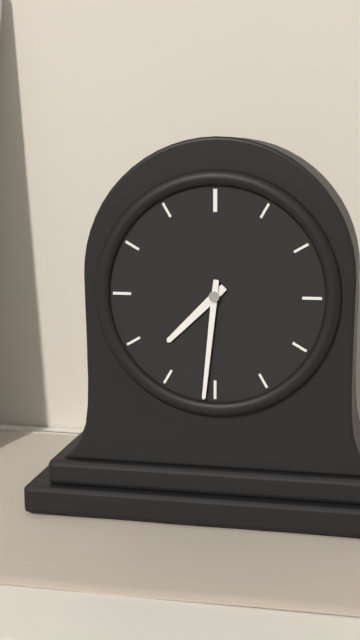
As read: 7:31
